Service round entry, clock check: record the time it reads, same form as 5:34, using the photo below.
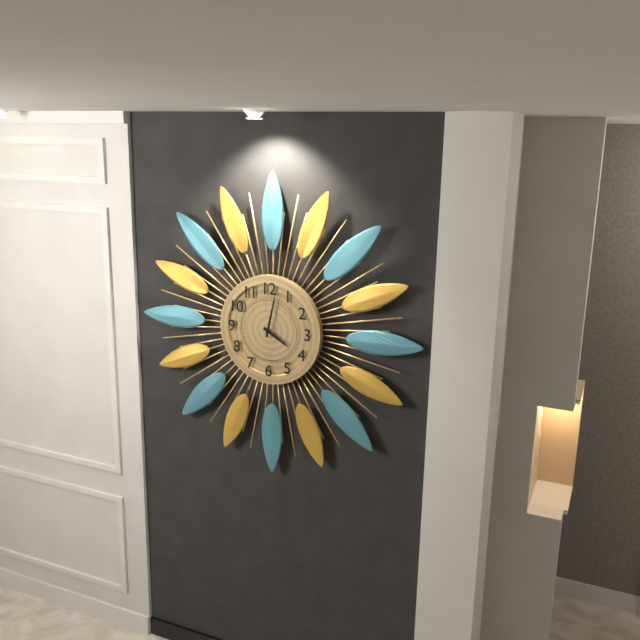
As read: 4:02
